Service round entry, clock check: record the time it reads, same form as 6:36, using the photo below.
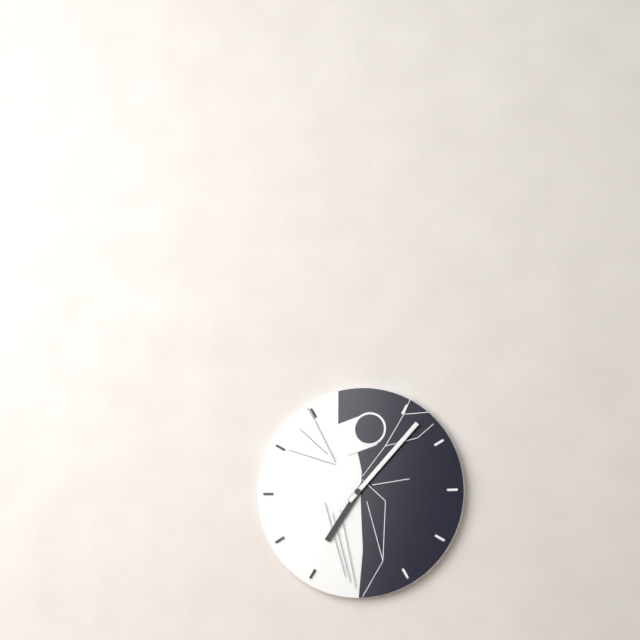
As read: 7:07
